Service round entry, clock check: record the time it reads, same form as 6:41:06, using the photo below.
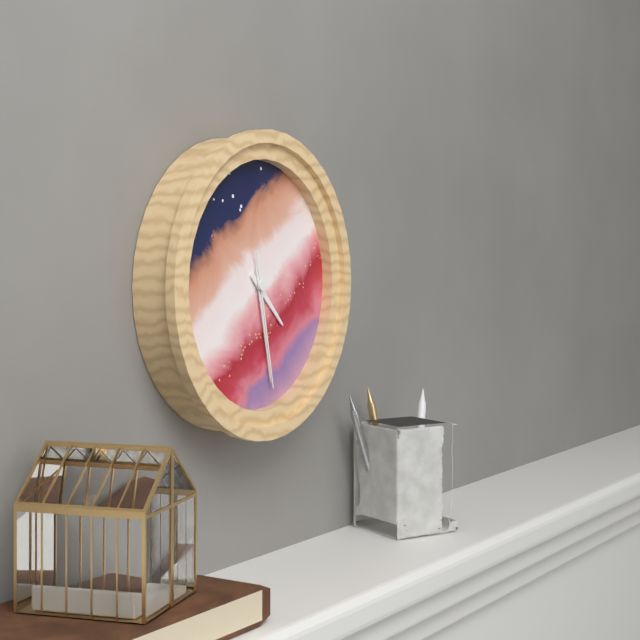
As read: 4:28:28
